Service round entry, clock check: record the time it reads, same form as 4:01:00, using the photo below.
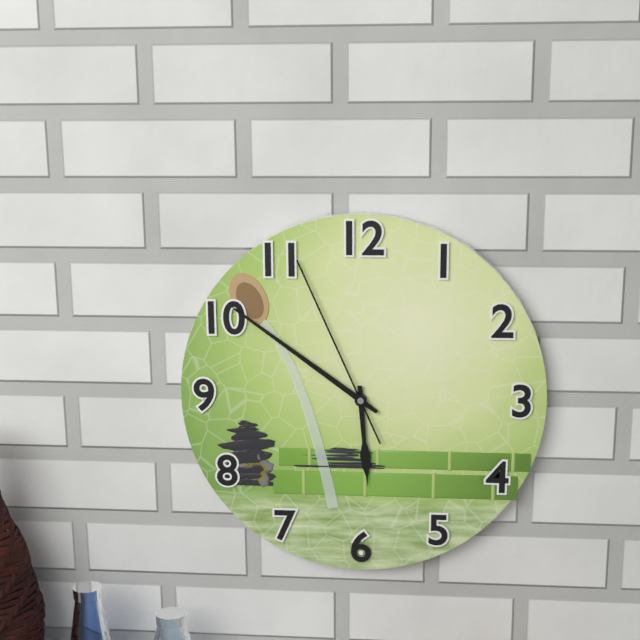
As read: 5:51:56
